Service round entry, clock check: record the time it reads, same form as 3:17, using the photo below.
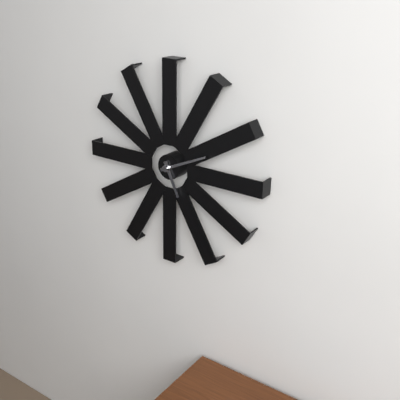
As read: 5:11
